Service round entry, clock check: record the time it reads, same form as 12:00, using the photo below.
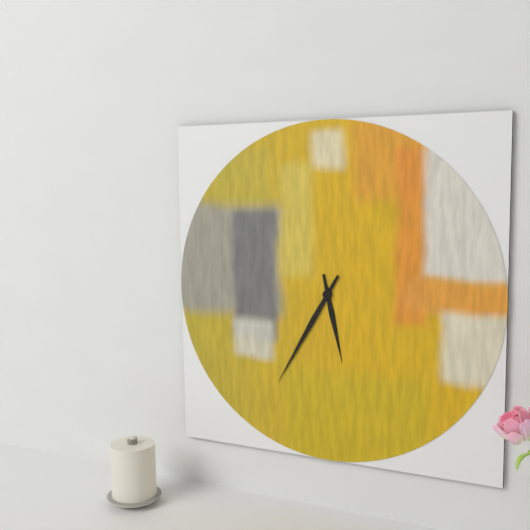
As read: 5:35
